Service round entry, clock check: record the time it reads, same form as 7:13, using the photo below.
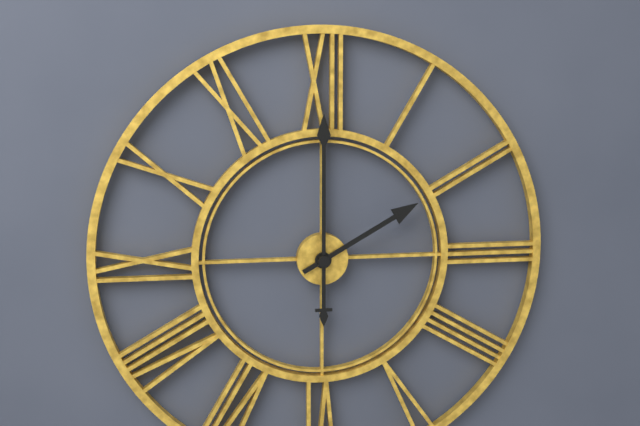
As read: 2:00
